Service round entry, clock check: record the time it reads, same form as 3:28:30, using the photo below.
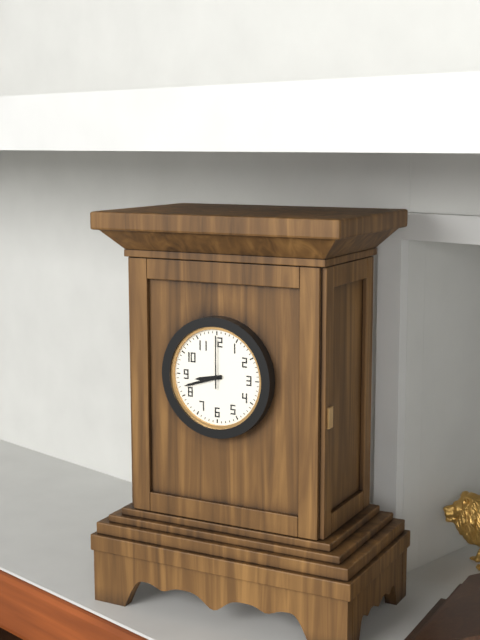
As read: 8:42:00
